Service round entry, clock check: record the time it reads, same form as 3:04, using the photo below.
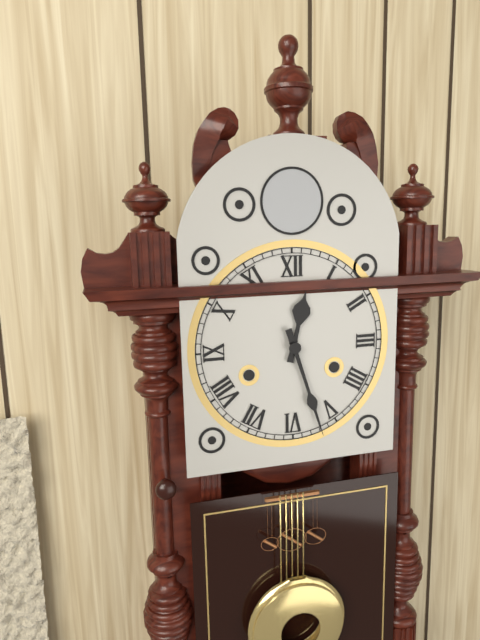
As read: 12:27
